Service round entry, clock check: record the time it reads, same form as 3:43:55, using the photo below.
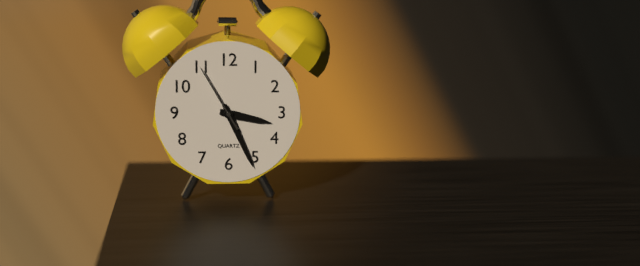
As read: 3:26:55
